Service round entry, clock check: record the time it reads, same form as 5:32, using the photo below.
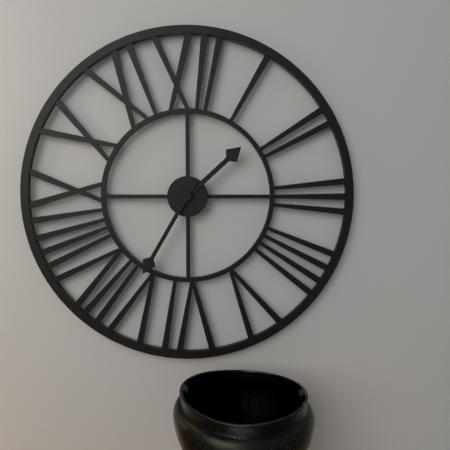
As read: 1:35
